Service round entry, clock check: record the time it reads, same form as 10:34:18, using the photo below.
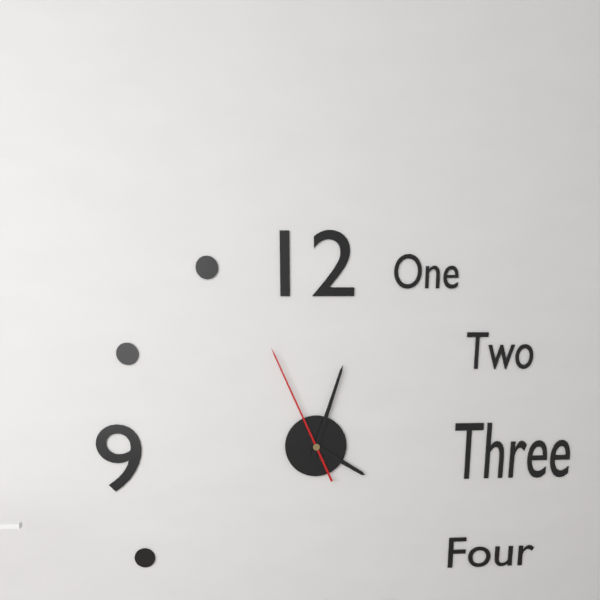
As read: 4:03:56
